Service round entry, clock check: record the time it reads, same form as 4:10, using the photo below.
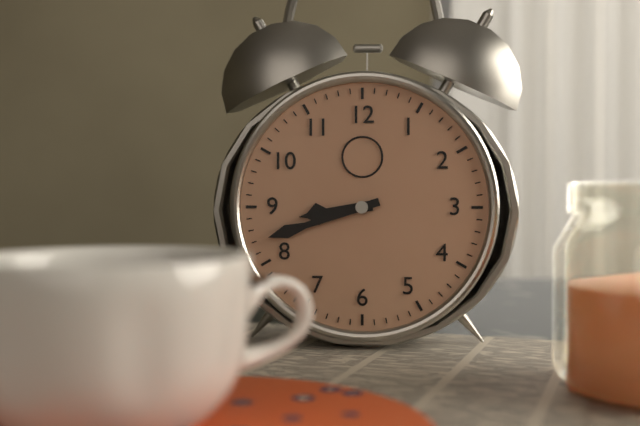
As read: 8:42
